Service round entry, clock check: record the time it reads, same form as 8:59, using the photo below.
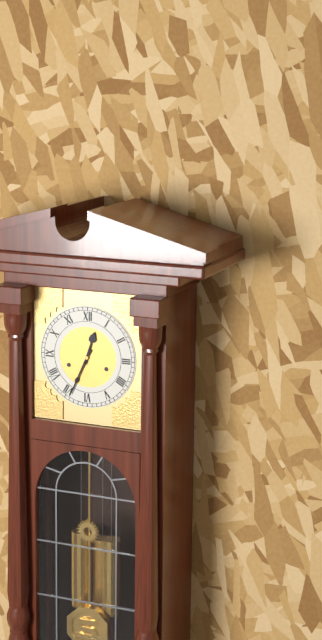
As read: 12:34
